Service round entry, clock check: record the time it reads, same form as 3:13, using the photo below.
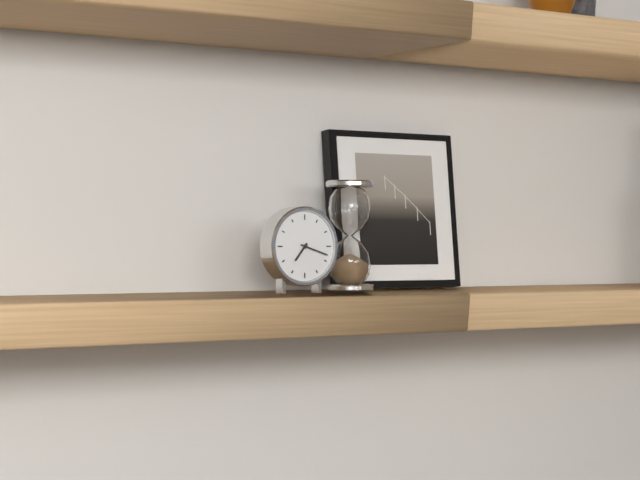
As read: 7:18
